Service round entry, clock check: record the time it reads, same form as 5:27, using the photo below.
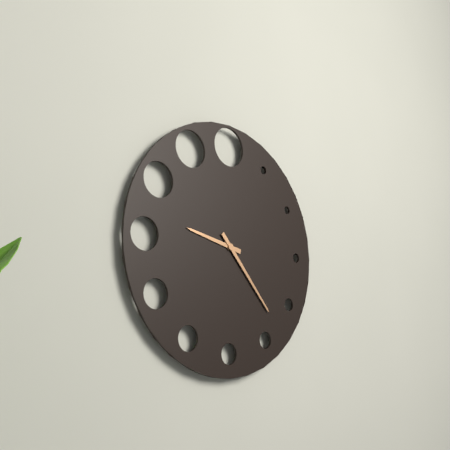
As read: 9:23
